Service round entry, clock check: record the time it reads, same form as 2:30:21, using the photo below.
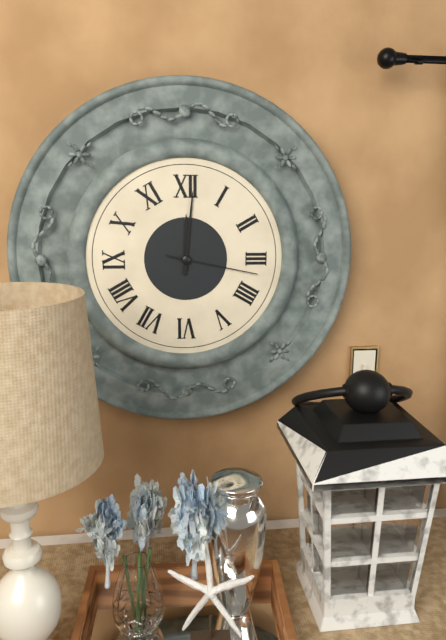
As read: 12:01:17
